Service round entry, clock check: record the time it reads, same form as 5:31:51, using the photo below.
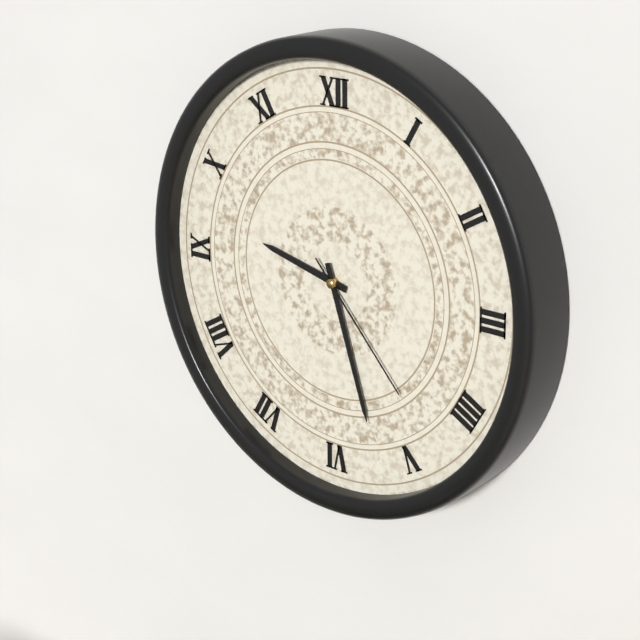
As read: 9:27:23
